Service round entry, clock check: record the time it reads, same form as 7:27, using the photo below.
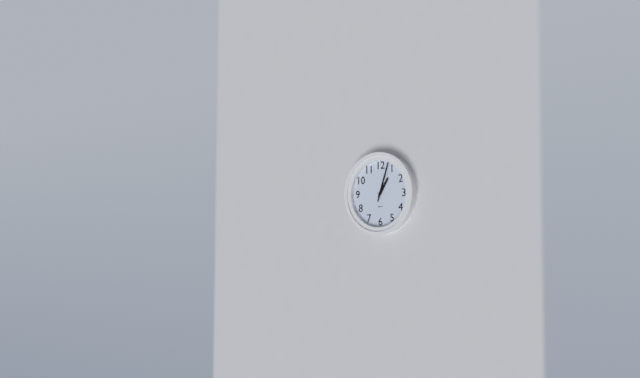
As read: 1:03
